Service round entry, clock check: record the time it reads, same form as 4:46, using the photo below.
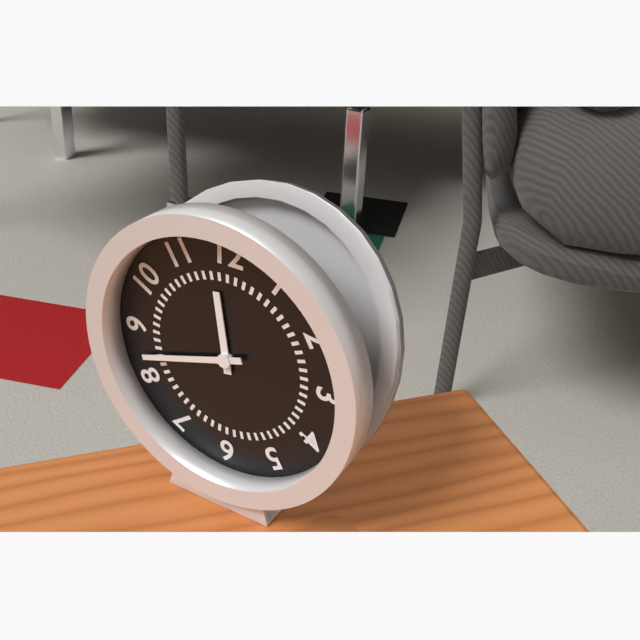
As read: 11:42
